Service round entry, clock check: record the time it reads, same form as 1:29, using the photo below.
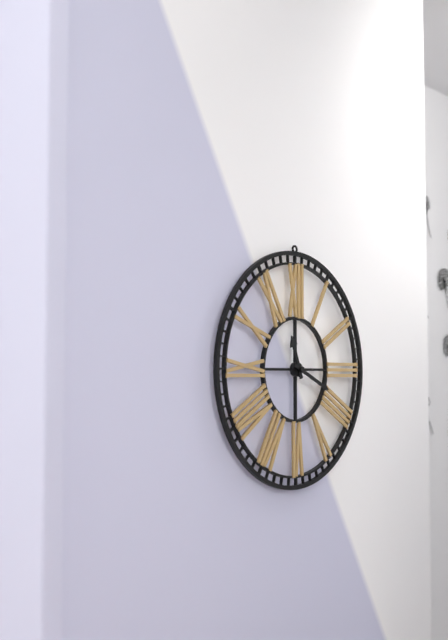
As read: 11:19
